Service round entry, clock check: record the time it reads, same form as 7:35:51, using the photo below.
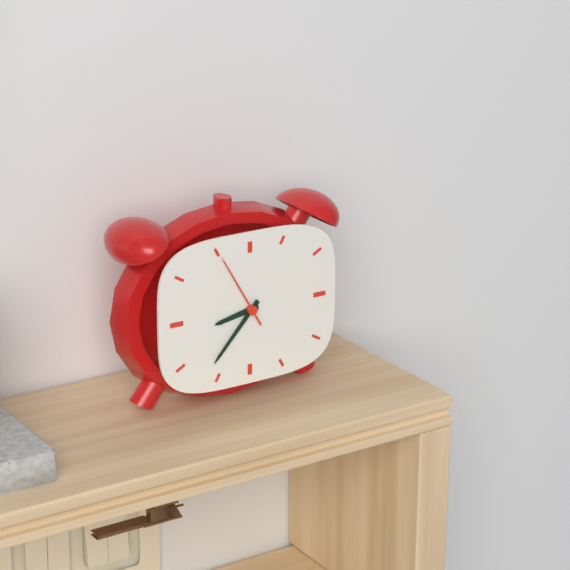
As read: 8:37:55
